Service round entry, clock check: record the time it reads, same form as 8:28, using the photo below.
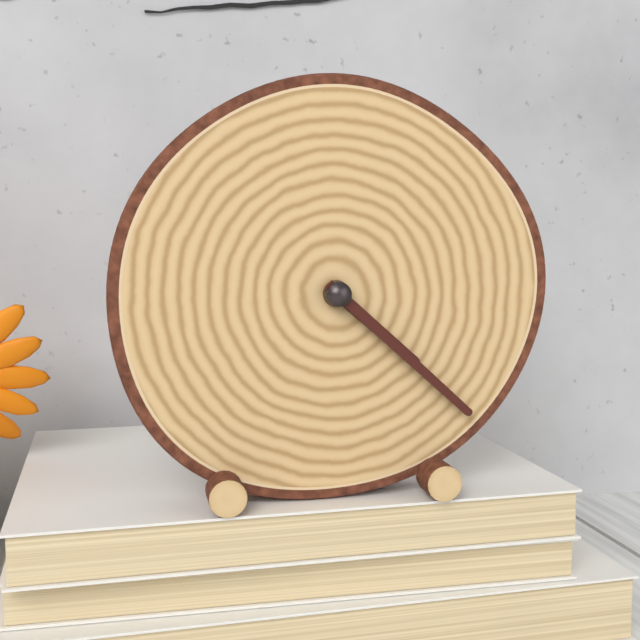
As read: 4:22
